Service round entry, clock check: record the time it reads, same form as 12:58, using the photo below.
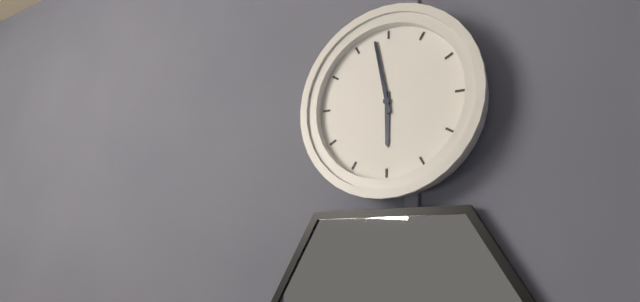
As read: 5:58
